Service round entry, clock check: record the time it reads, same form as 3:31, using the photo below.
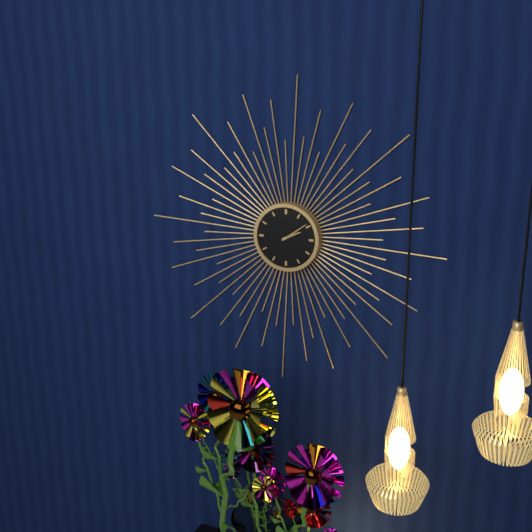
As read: 2:09
